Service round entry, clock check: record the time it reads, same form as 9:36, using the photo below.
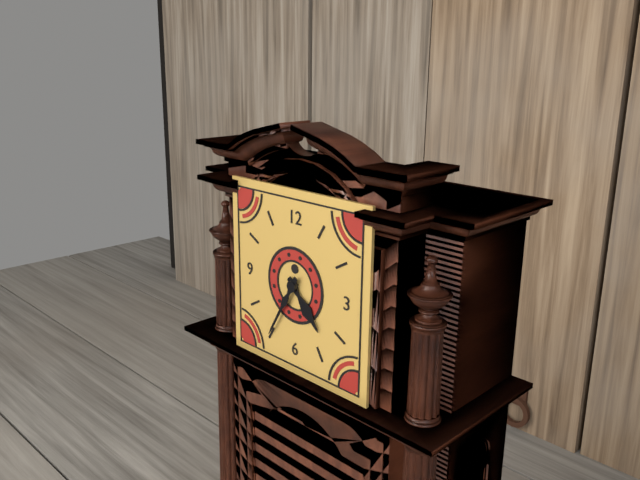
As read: 4:35
